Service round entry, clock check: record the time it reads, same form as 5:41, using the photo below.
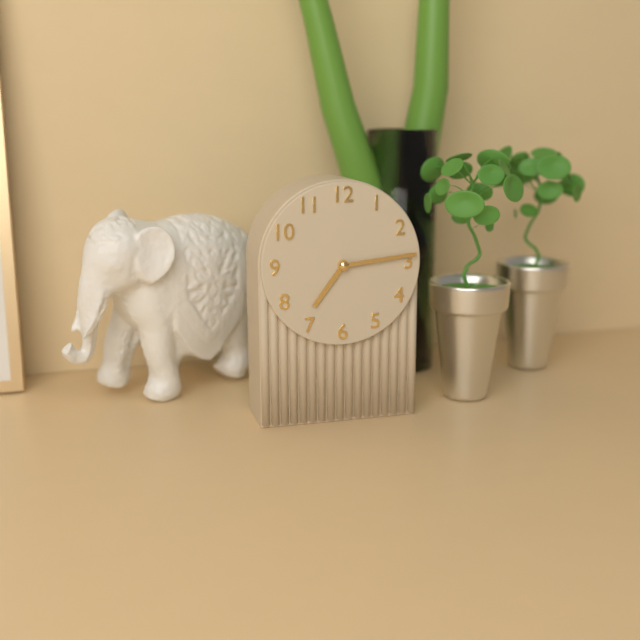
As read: 7:14
